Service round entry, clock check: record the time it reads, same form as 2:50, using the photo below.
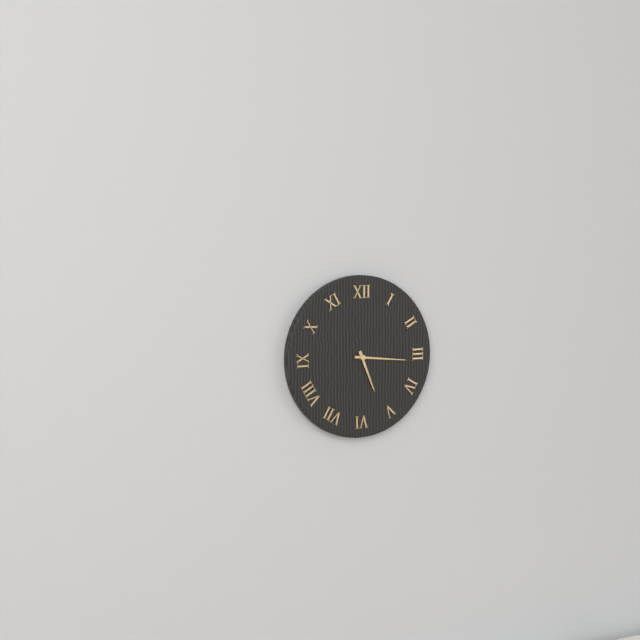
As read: 5:16
